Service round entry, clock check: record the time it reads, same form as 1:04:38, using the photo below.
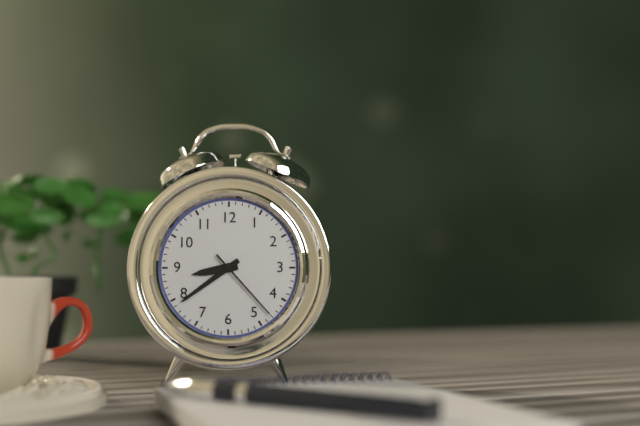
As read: 8:39:23
